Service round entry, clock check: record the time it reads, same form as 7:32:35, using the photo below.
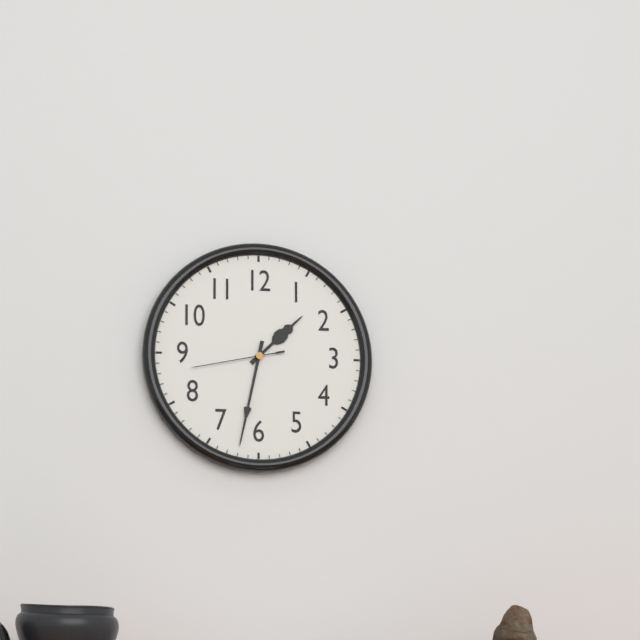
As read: 1:32:43
